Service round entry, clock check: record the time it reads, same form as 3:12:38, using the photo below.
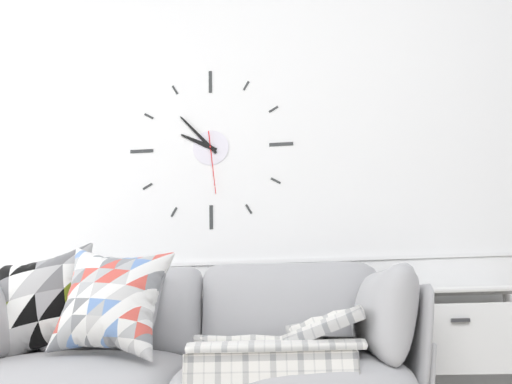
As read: 9:53:29
